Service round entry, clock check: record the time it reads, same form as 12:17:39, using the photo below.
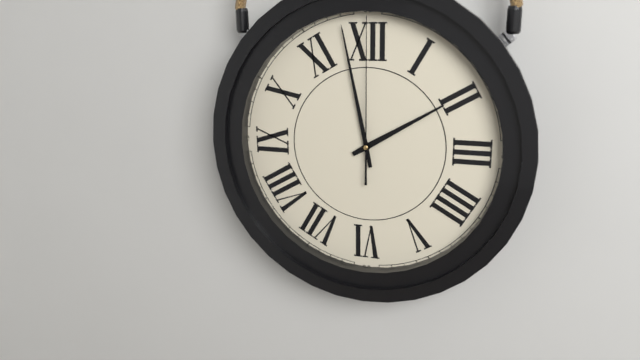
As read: 1:58:00
